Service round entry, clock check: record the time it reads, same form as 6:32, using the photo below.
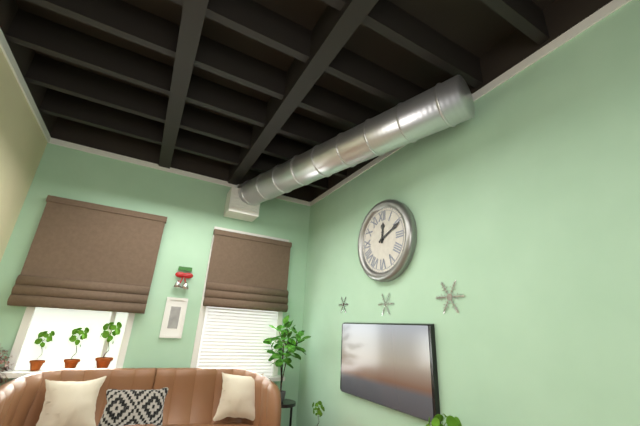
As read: 12:11
